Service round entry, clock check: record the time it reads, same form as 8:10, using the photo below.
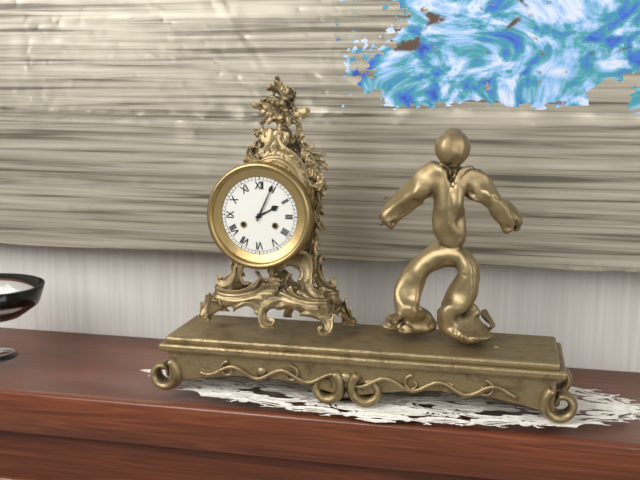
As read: 2:04
